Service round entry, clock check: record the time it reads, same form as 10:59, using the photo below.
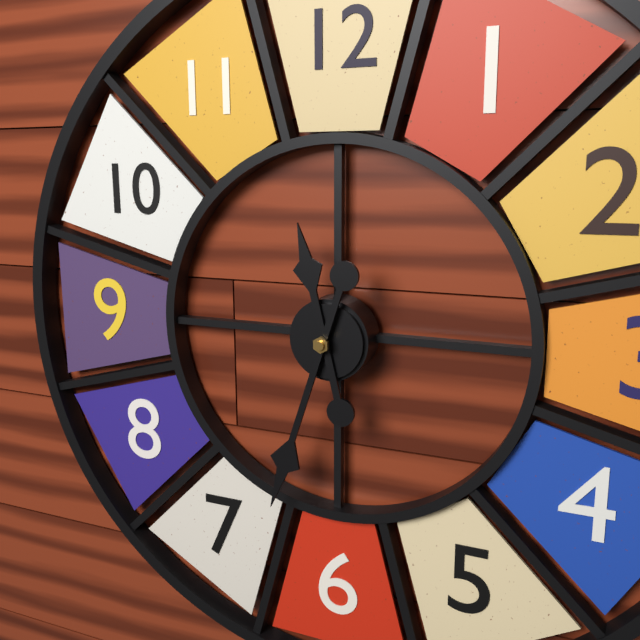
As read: 11:33
